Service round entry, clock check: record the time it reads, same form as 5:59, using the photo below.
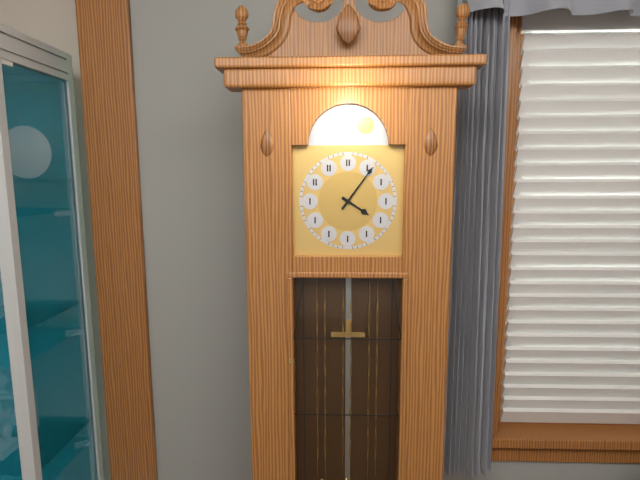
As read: 4:06
